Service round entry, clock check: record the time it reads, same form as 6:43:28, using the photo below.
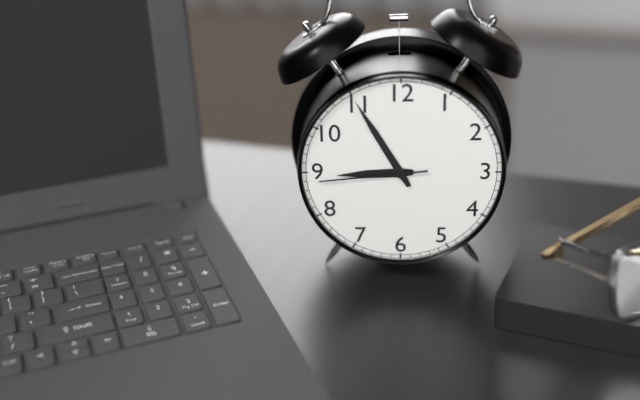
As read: 8:55:44
